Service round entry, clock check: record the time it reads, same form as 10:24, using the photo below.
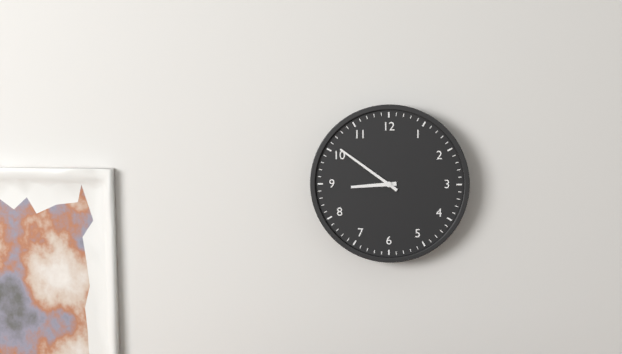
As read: 8:51
